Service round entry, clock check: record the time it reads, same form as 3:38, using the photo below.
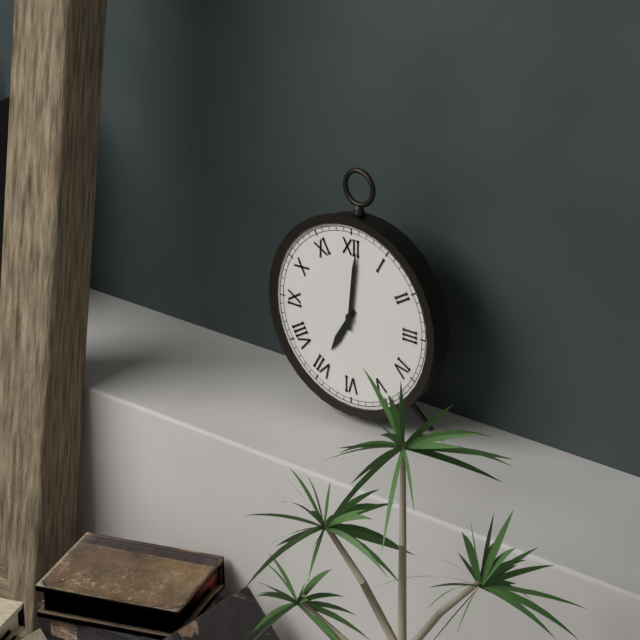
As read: 7:01
